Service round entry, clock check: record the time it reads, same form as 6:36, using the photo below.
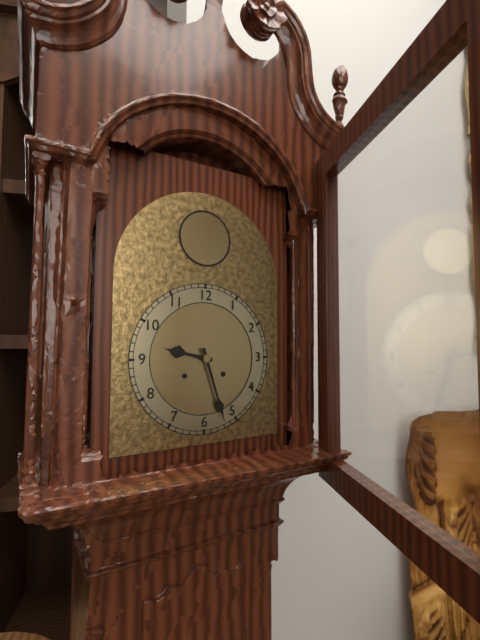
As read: 9:27
